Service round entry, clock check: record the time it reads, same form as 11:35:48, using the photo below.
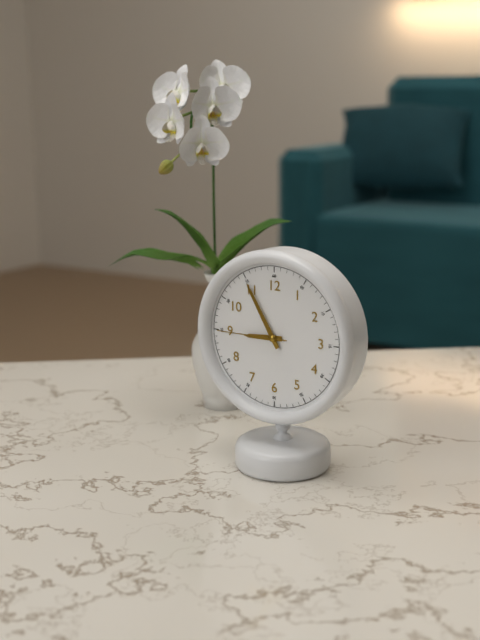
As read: 8:55:45
